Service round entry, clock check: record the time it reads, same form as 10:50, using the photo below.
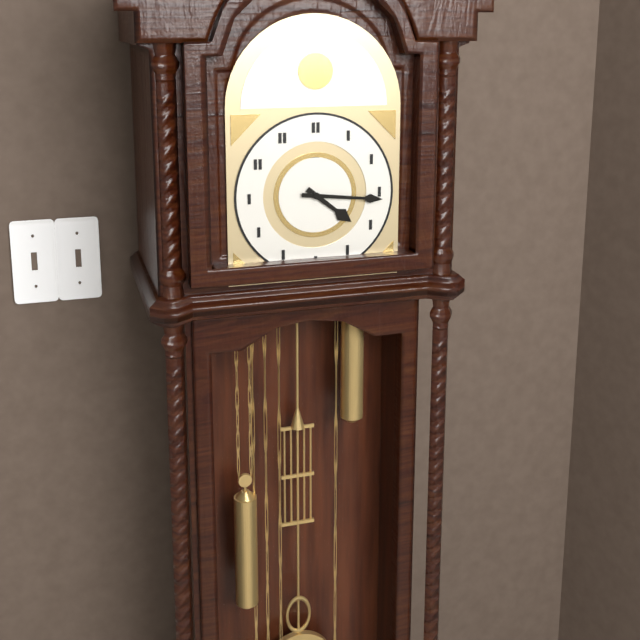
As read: 4:16
